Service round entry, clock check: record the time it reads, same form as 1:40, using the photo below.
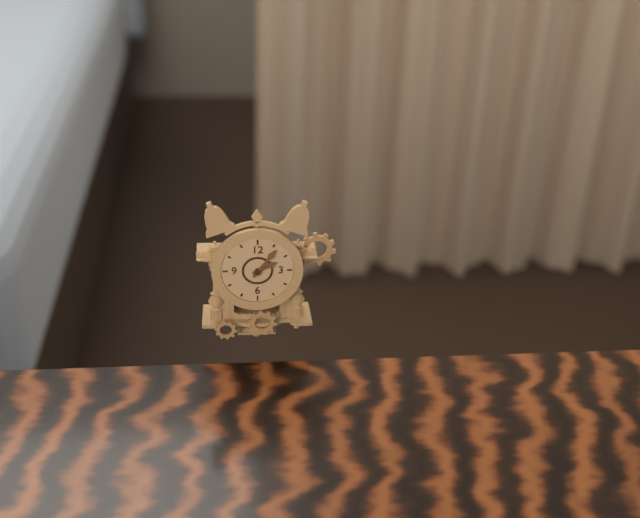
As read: 2:06
